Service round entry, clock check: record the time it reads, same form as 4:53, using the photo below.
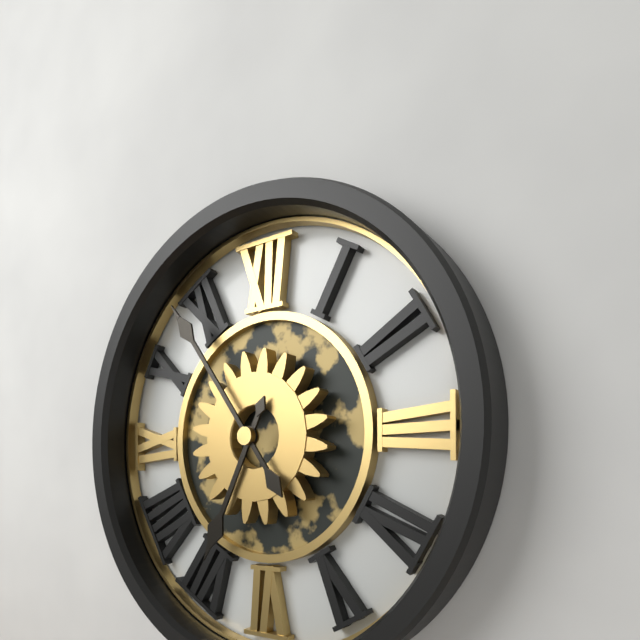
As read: 6:54
